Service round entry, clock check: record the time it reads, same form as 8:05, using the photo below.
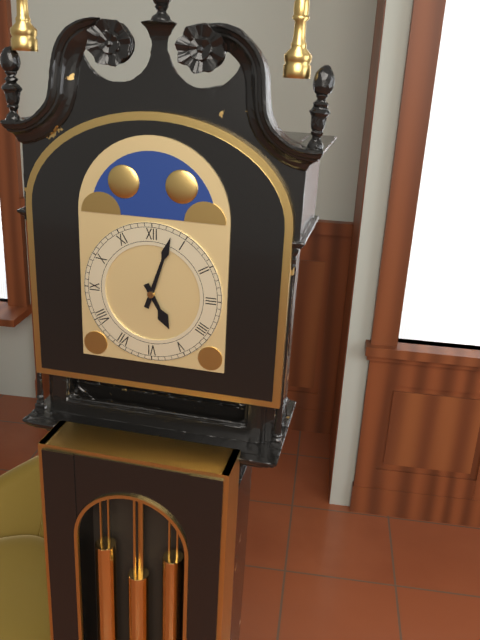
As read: 5:03
